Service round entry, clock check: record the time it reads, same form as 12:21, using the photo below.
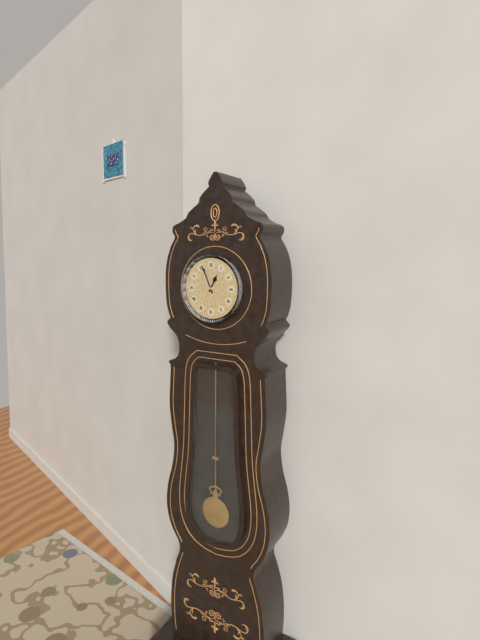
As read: 12:56
